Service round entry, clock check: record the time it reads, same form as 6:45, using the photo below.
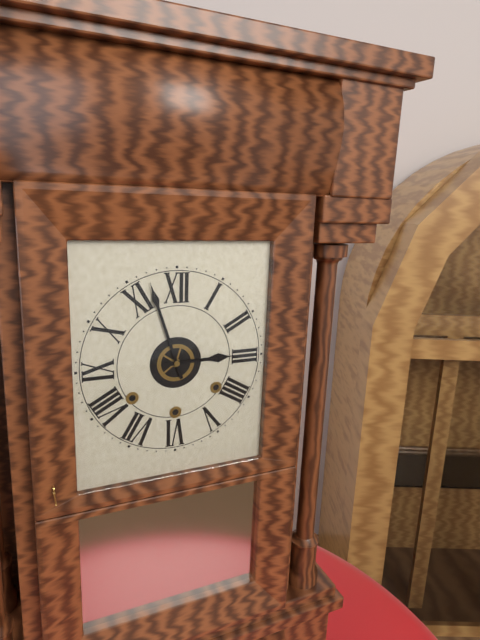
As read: 2:57
